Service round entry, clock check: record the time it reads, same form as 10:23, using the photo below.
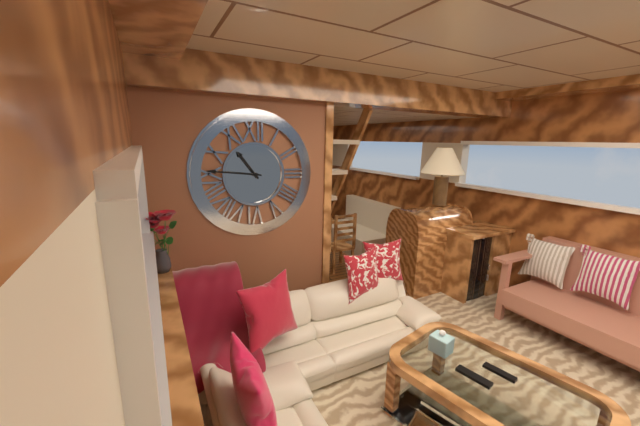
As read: 10:46
